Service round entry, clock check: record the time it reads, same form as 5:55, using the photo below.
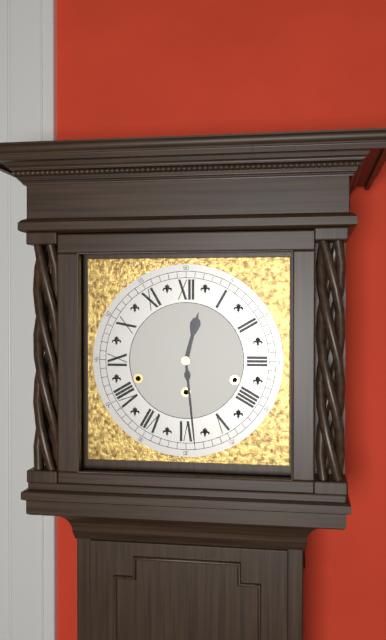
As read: 12:29
